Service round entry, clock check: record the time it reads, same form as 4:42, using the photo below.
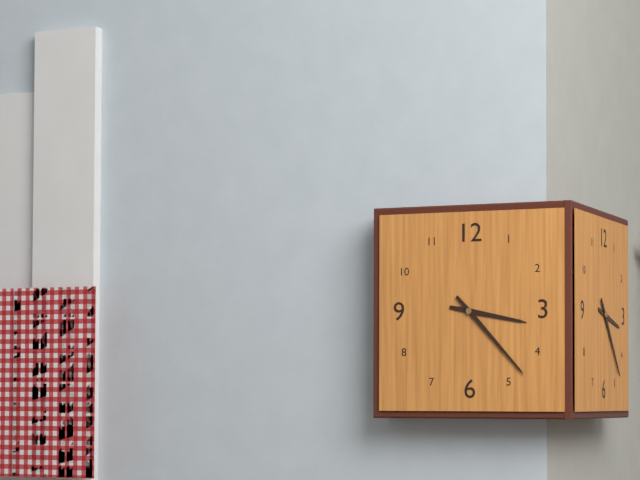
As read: 3:23
